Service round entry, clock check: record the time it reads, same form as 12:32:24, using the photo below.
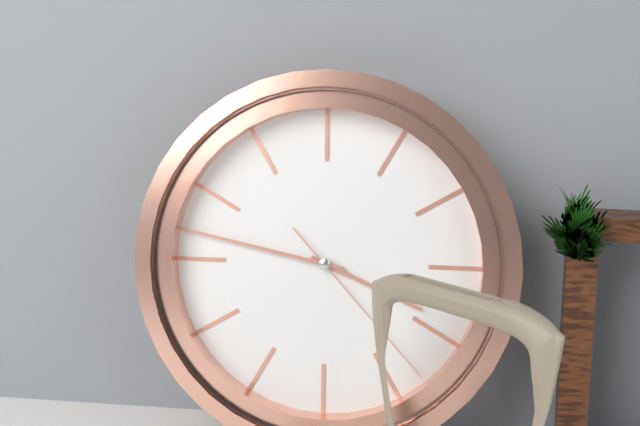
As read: 3:47:23
